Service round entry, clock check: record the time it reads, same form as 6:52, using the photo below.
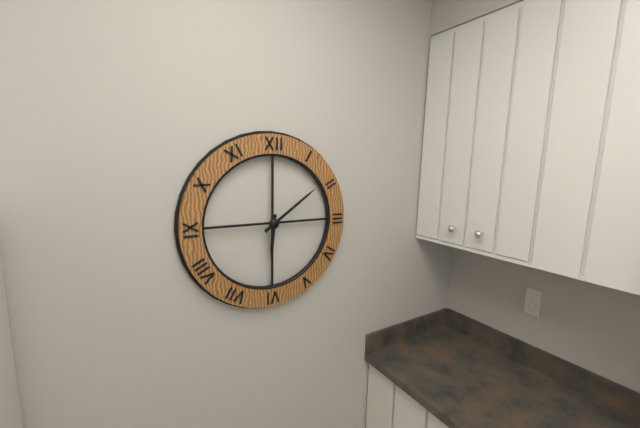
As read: 6:09
